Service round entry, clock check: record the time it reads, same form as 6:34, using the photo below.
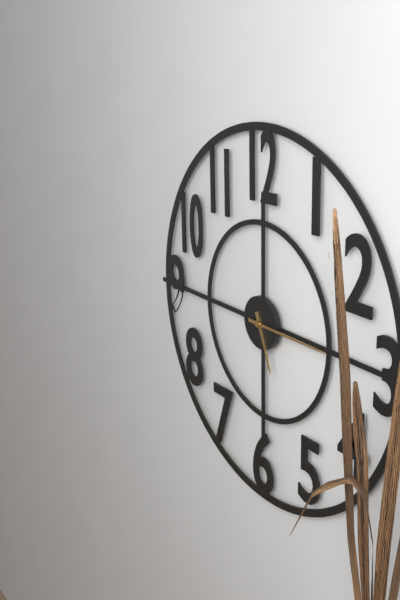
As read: 5:15
